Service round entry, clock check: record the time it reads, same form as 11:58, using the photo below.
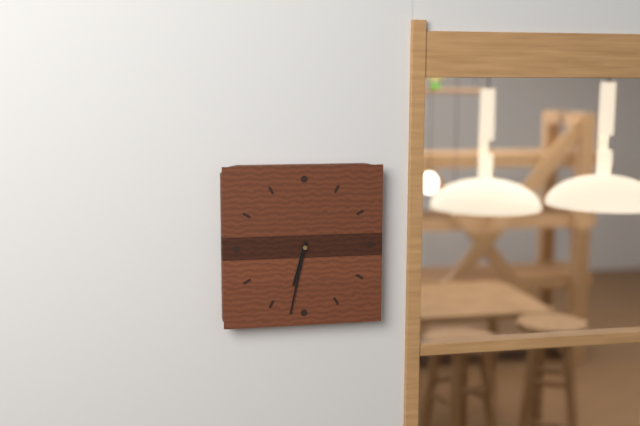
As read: 6:32
